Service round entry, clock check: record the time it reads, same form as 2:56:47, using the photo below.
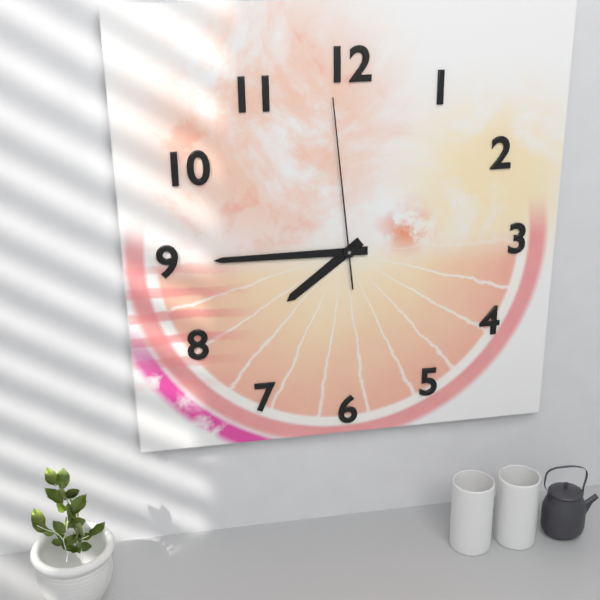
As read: 7:45:59
